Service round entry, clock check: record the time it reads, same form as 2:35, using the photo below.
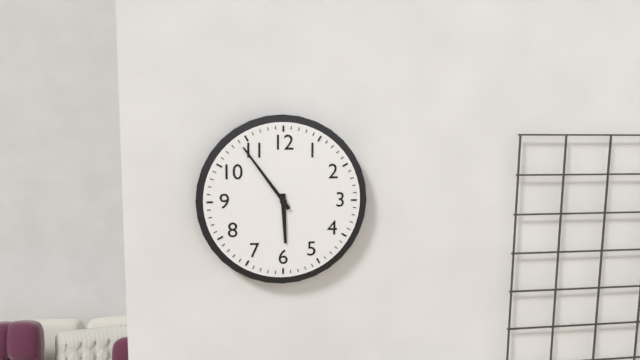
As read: 5:54
